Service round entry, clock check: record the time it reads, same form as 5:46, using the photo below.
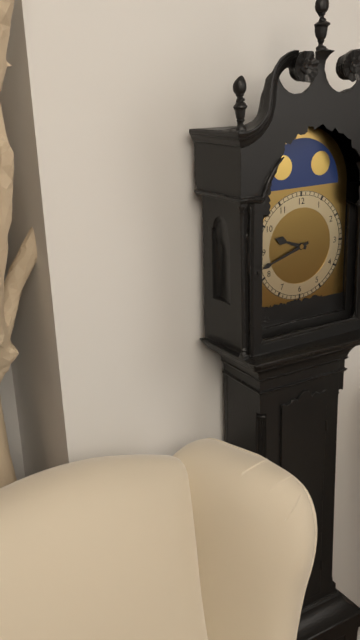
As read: 9:42
